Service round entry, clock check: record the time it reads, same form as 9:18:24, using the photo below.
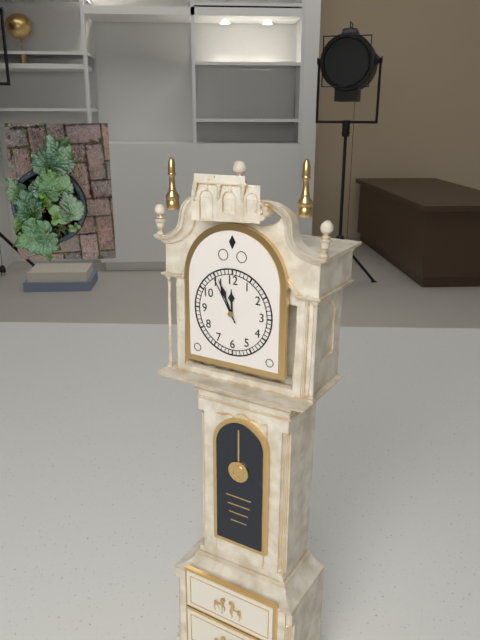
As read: 11:56:55
